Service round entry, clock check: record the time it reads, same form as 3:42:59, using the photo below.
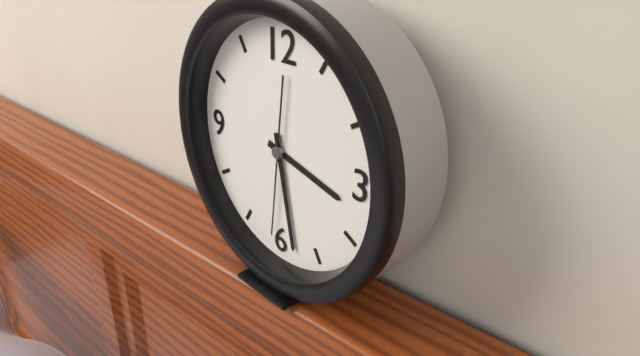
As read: 3:28:31
